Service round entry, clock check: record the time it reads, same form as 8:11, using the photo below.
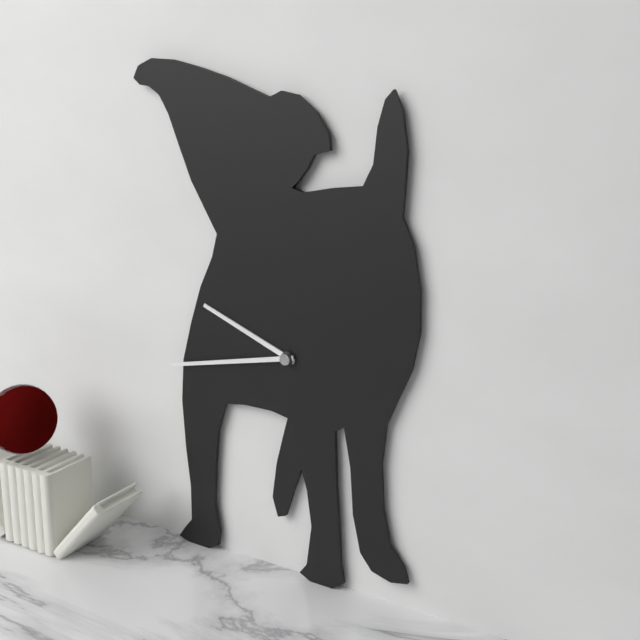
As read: 9:43
